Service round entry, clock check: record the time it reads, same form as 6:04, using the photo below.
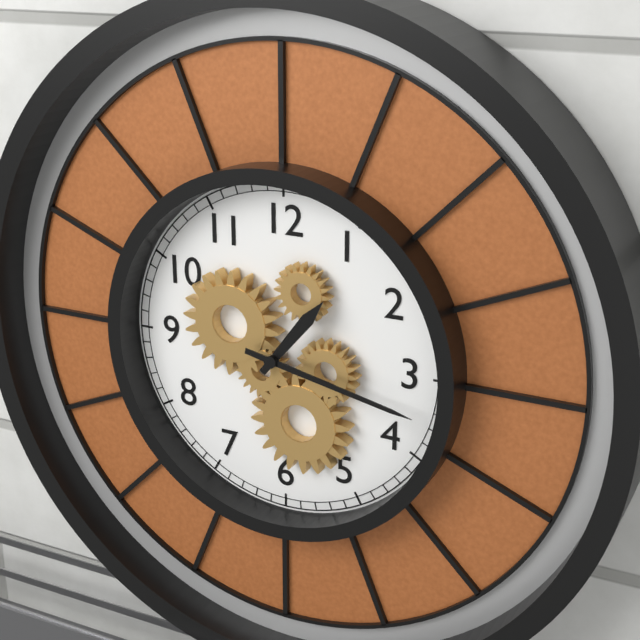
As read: 1:17
